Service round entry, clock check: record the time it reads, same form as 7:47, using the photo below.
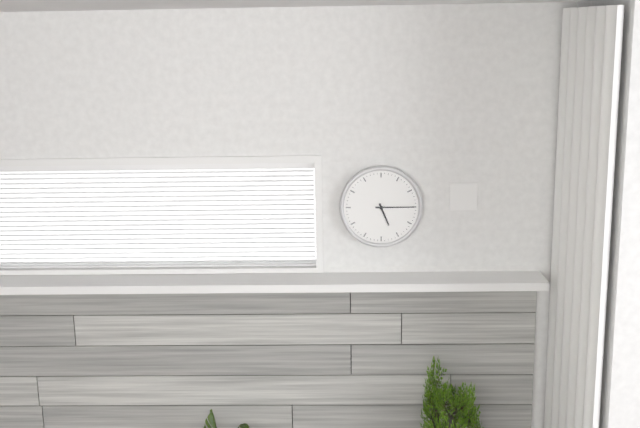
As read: 5:15
